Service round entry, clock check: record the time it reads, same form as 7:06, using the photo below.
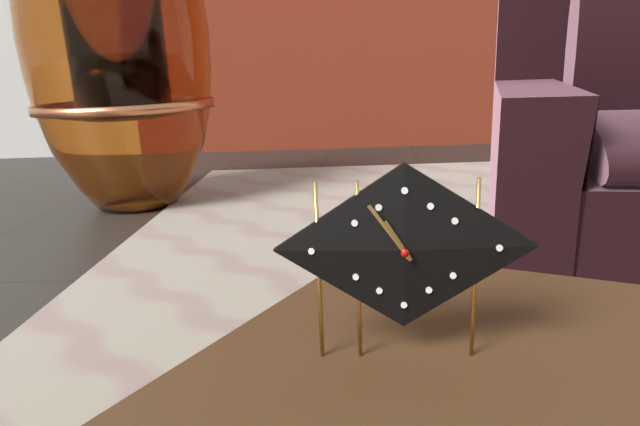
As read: 10:54
